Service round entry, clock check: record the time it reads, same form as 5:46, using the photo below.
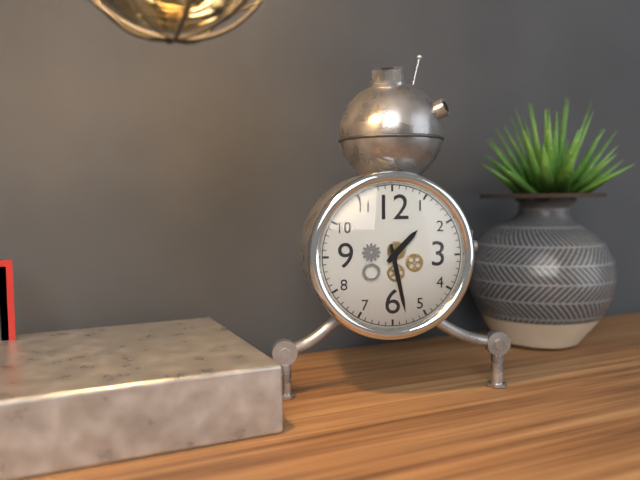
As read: 1:28
